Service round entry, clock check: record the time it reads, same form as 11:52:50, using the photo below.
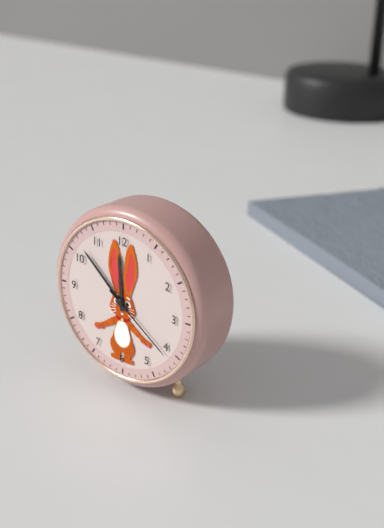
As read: 11:52:21
